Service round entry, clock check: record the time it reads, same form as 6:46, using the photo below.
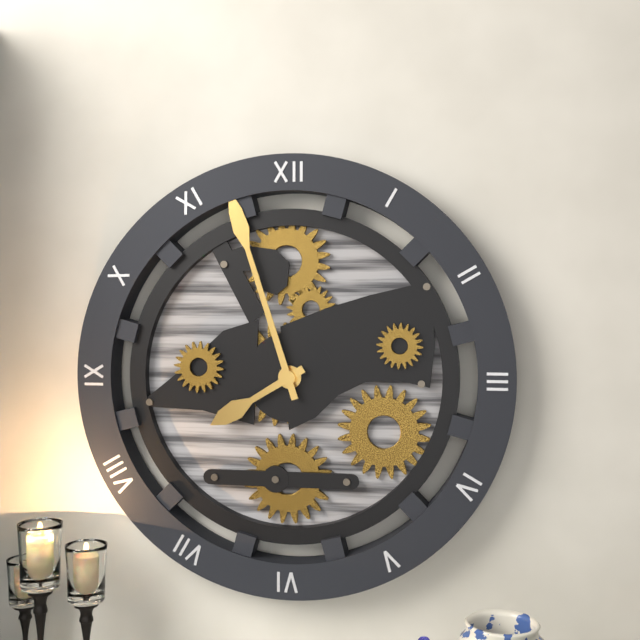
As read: 7:57
